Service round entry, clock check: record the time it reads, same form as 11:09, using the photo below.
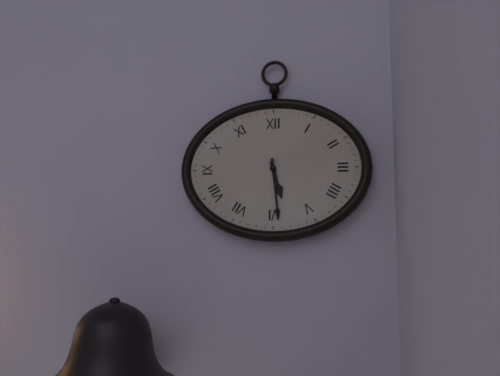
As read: 5:29
